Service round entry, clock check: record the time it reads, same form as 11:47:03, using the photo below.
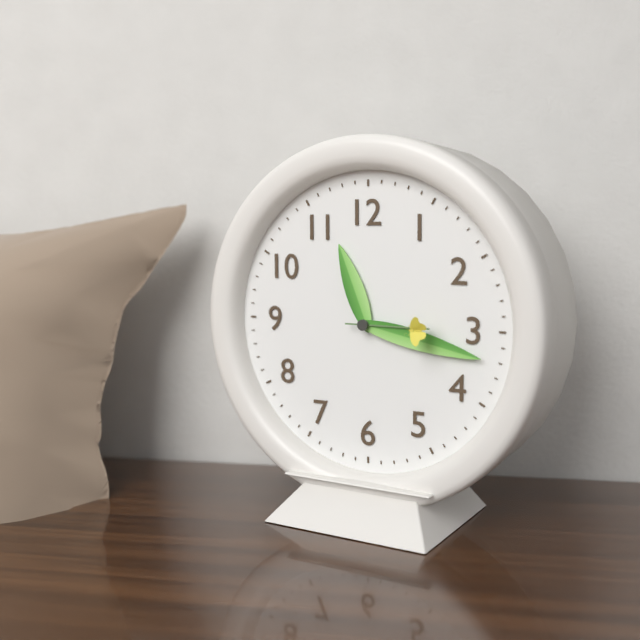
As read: 11:17:15
